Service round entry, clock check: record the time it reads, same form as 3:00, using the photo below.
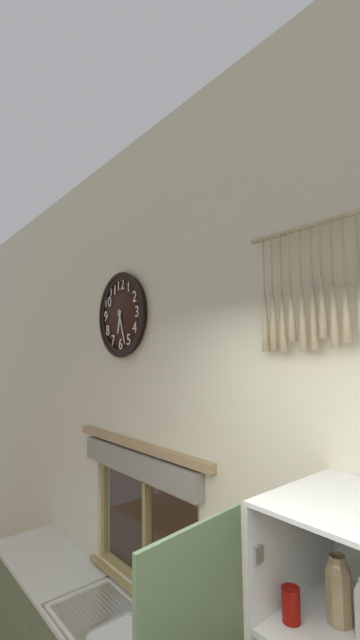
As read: 6:27
